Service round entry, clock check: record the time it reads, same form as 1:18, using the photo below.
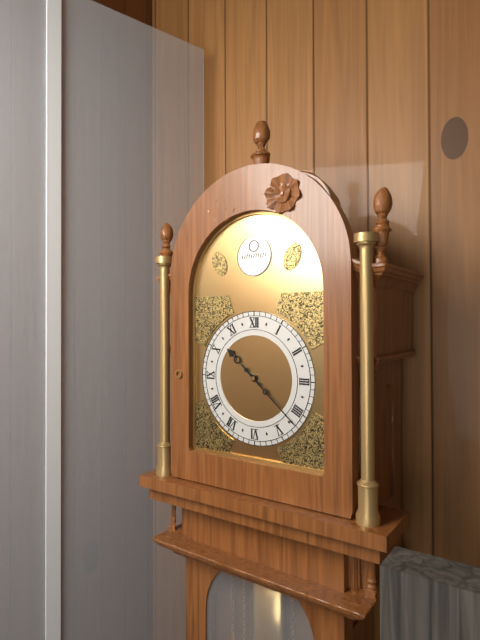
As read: 10:22
